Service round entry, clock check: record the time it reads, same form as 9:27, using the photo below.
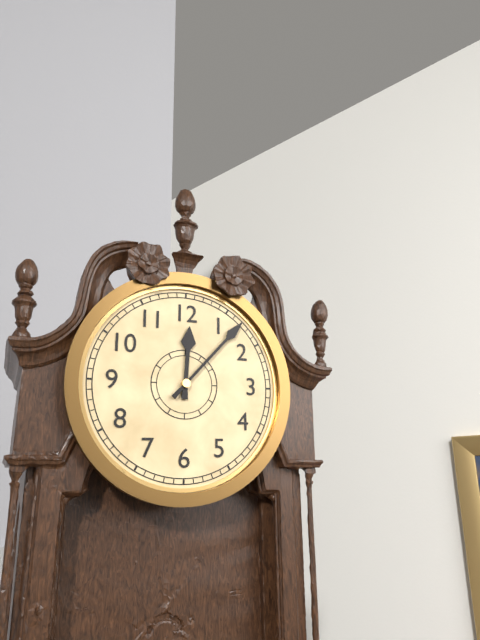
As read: 12:07
